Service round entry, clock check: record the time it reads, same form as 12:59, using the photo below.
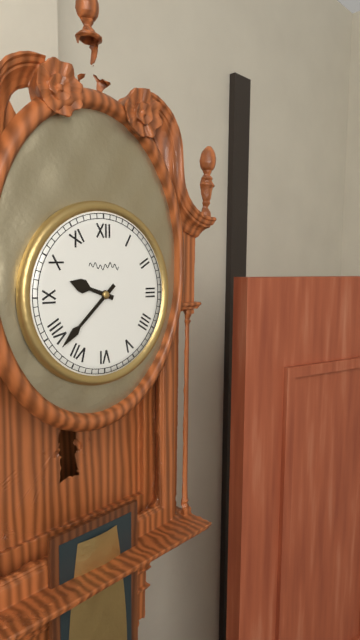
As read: 9:38
